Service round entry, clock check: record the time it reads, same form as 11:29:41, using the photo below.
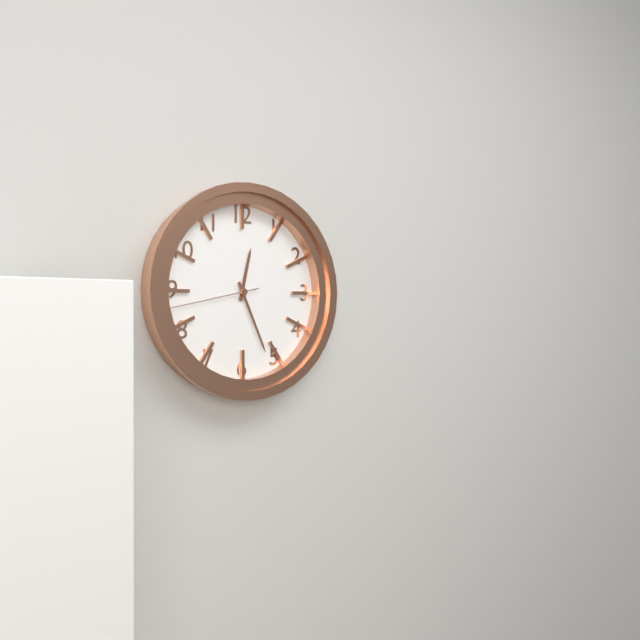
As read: 12:26:43
